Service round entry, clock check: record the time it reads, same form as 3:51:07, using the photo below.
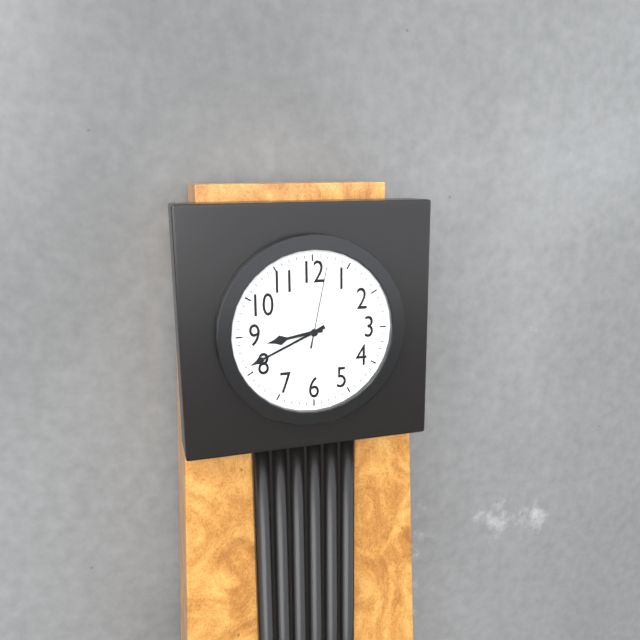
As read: 8:41:02
